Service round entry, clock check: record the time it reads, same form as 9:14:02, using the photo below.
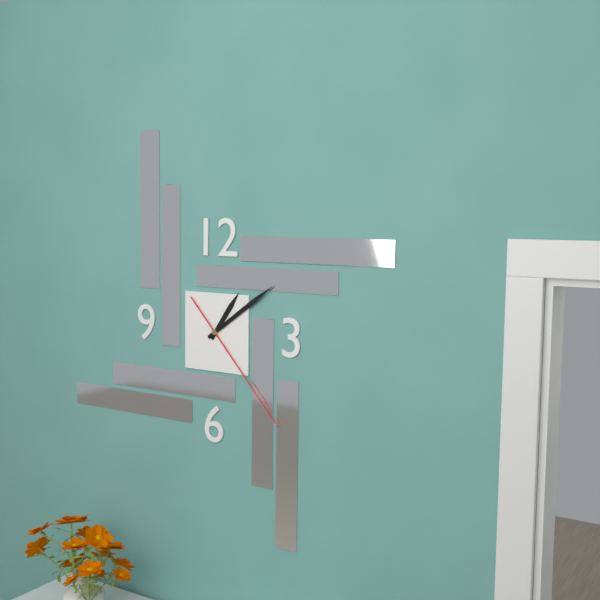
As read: 1:09:23
